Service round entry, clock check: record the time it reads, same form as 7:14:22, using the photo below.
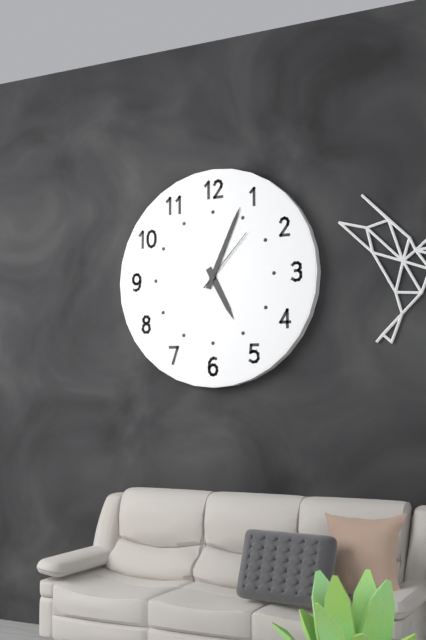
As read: 5:04:07
